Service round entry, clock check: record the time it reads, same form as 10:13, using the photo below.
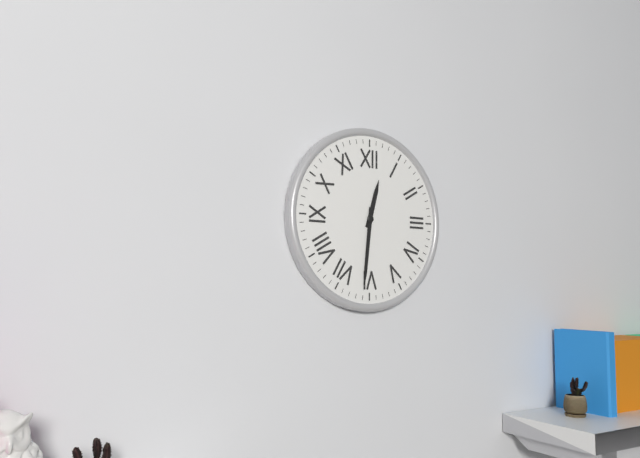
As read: 12:31
